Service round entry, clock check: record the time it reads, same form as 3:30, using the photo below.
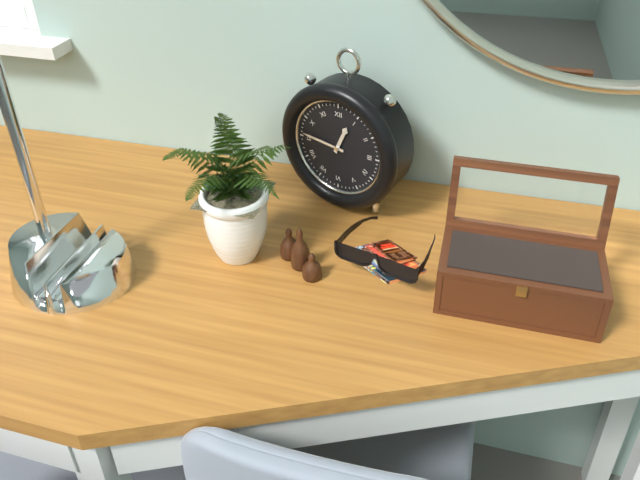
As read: 12:46
